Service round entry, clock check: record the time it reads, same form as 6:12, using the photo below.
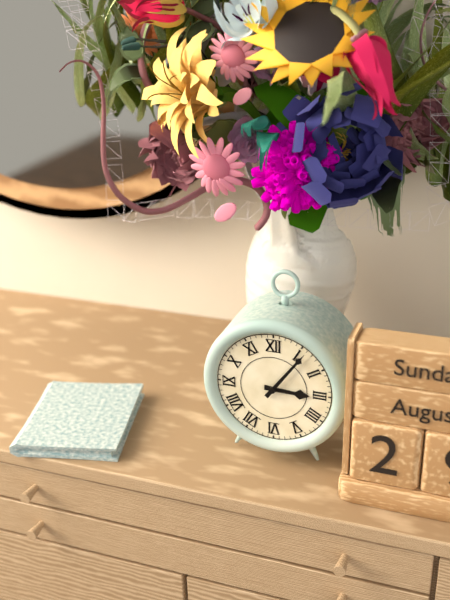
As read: 3:06
